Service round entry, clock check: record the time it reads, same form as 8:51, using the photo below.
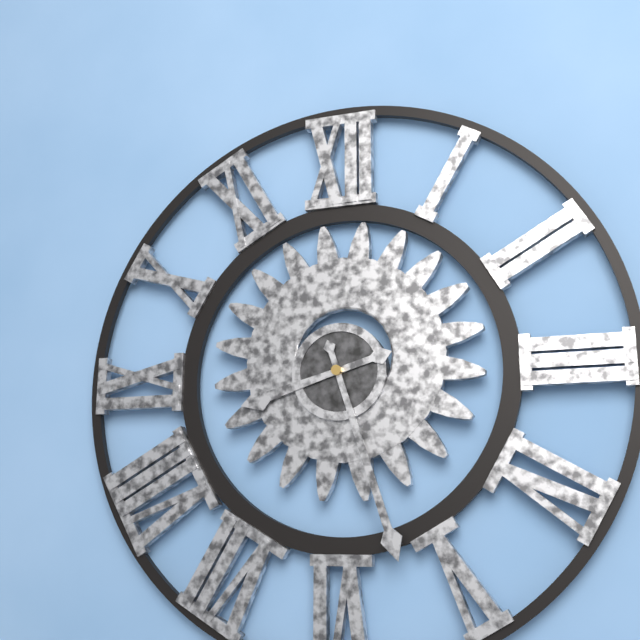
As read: 8:27
